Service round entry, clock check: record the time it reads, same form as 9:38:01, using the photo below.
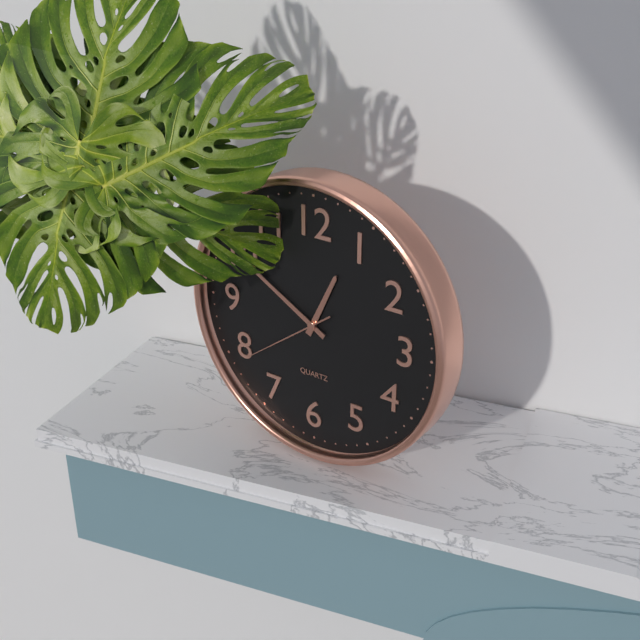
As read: 12:50:39
